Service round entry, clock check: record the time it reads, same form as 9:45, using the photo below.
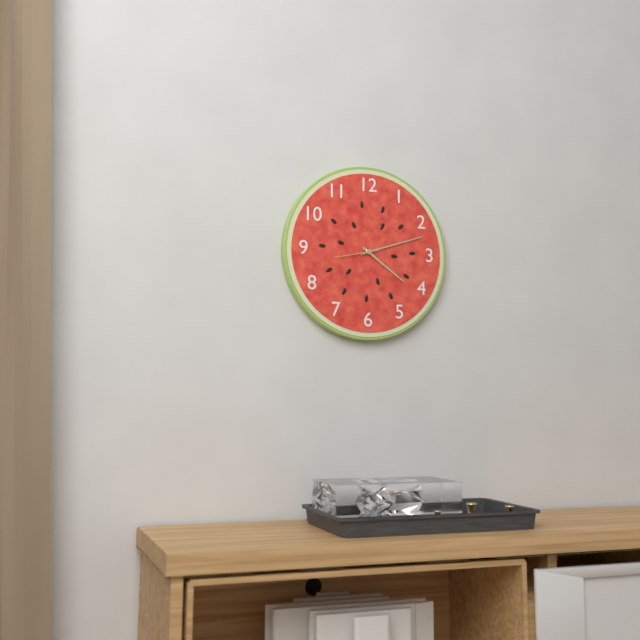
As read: 4:12
